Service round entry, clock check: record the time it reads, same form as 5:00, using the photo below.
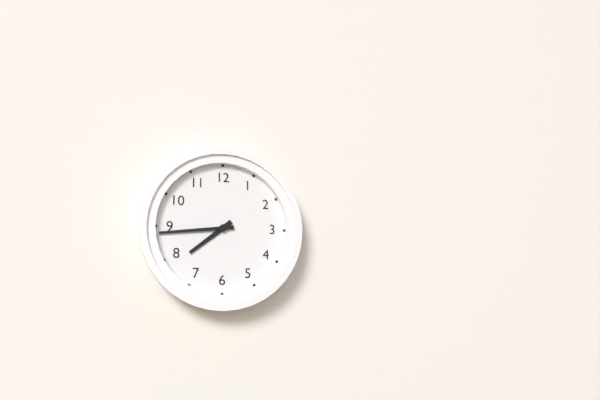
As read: 7:44
